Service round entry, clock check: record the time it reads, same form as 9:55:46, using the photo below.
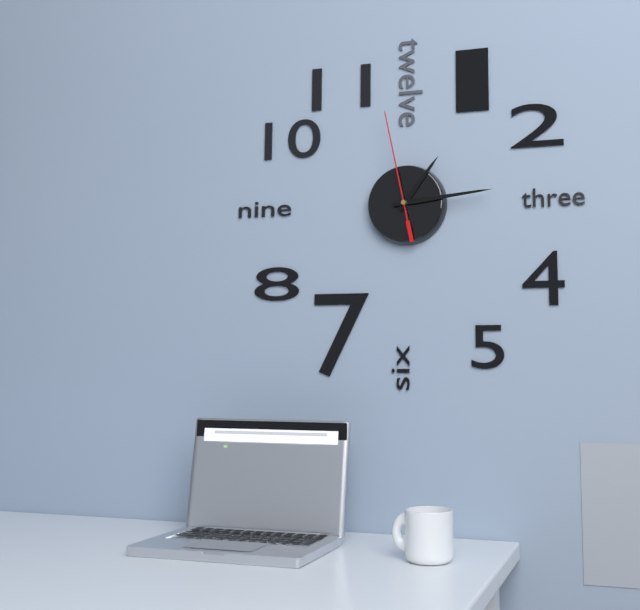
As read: 1:14:58
